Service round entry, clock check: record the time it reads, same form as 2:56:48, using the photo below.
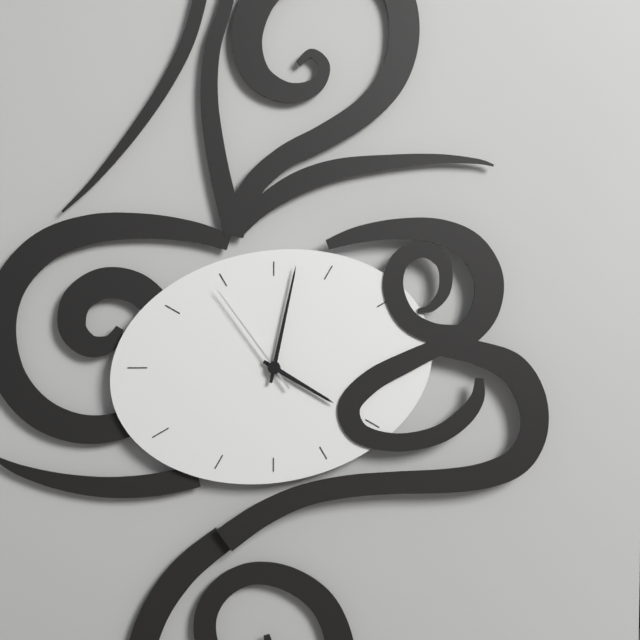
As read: 4:02:54
